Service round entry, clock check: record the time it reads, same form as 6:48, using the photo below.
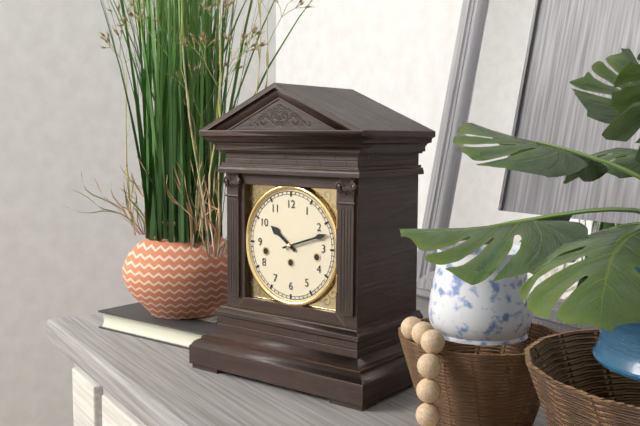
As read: 10:12
